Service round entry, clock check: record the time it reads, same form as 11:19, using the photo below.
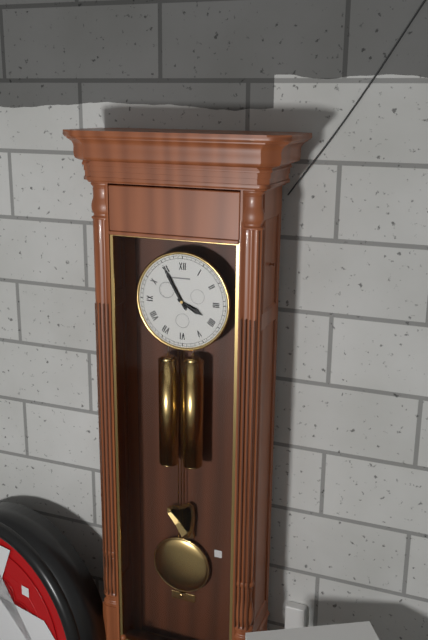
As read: 3:55
